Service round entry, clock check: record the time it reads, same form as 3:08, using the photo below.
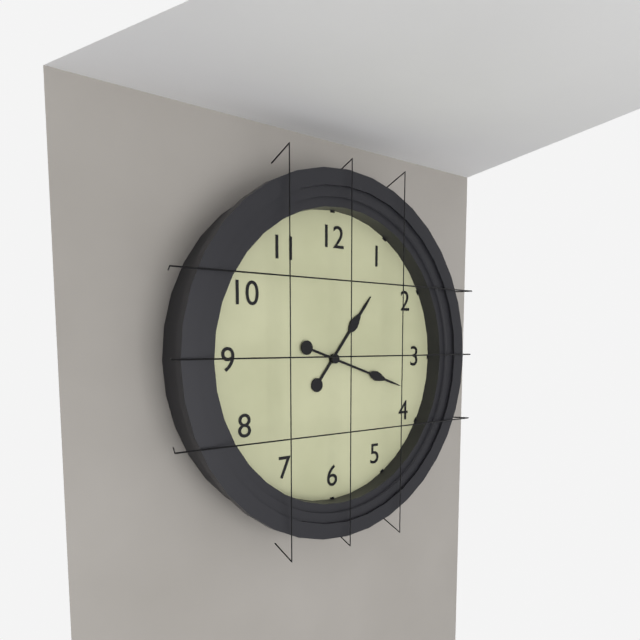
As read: 1:18
